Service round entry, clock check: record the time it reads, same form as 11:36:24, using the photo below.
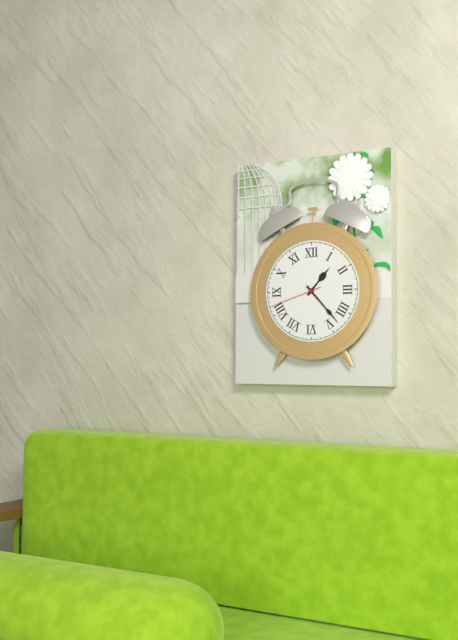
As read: 1:23:42
